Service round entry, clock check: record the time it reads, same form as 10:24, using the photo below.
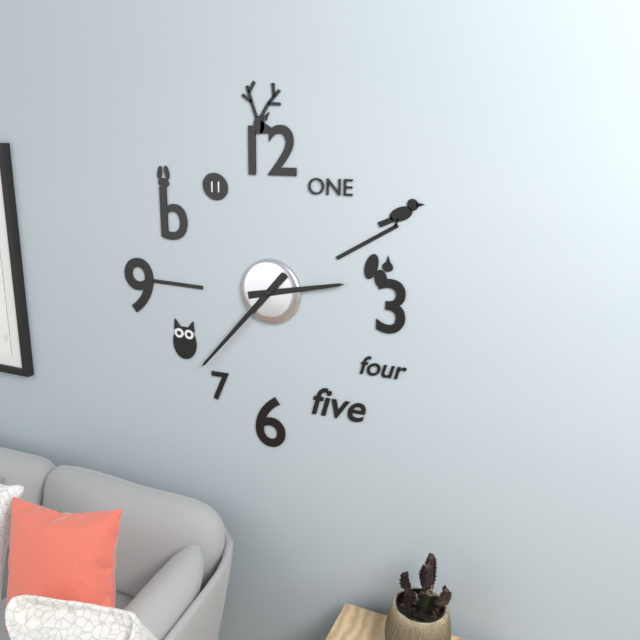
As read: 2:37
